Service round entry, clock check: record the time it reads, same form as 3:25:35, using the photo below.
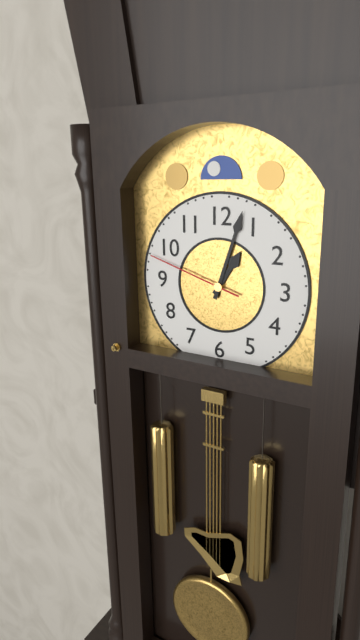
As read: 1:03:48
